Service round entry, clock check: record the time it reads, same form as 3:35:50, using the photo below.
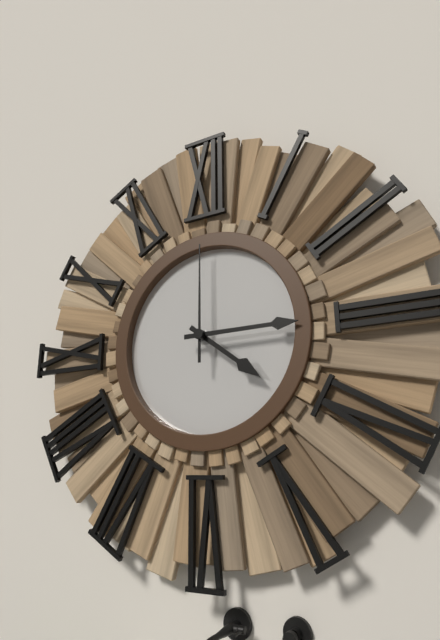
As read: 4:15:00
